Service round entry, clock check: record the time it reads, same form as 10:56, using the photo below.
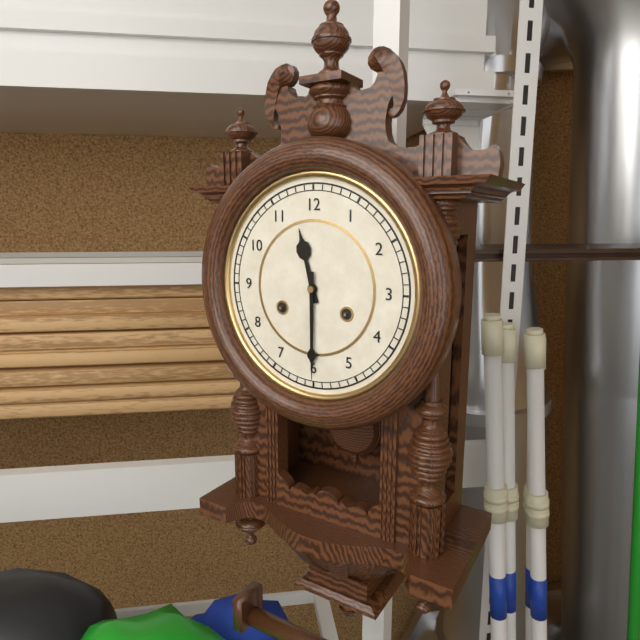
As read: 11:30
